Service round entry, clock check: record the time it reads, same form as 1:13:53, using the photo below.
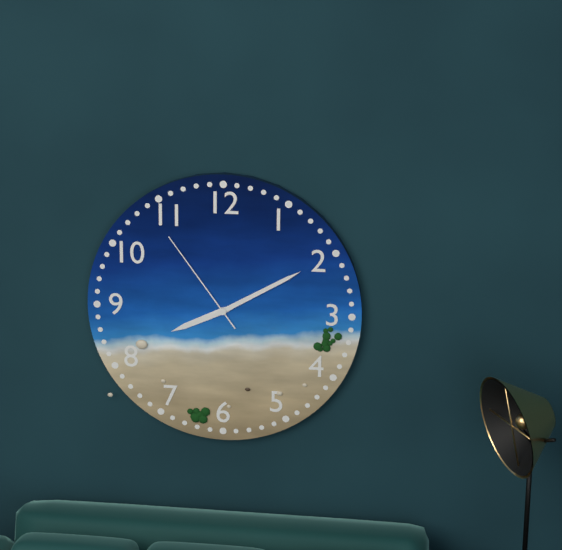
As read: 8:10:54
